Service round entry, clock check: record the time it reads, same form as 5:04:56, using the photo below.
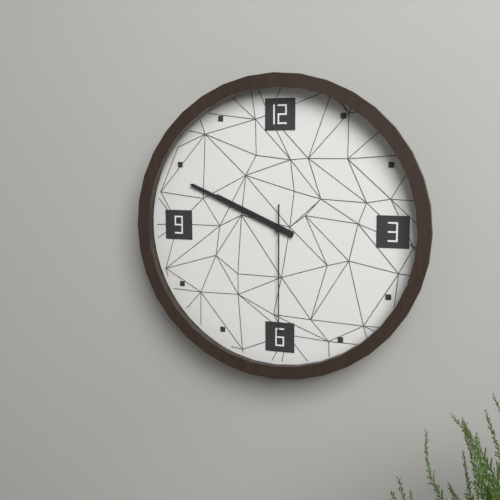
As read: 9:49:30
